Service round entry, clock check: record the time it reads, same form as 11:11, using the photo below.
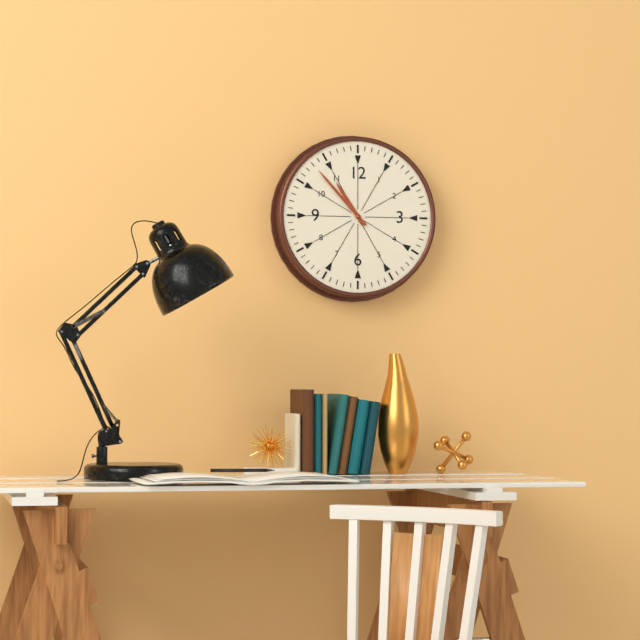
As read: 10:53
